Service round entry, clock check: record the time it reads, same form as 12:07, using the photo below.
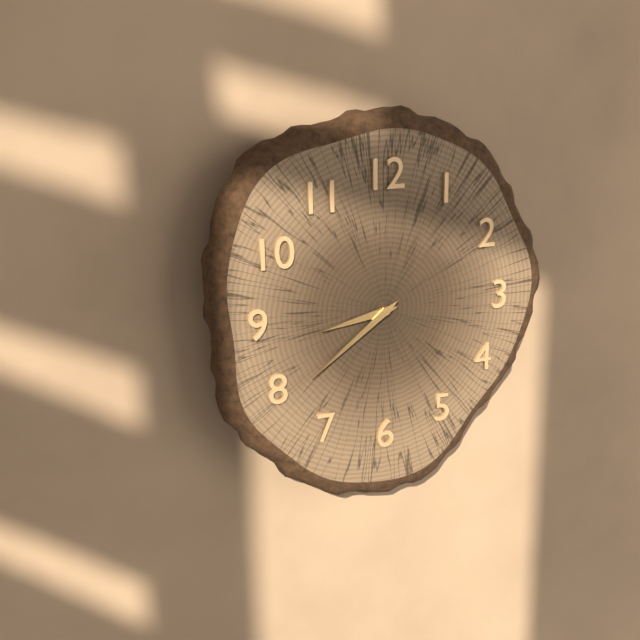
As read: 8:39
